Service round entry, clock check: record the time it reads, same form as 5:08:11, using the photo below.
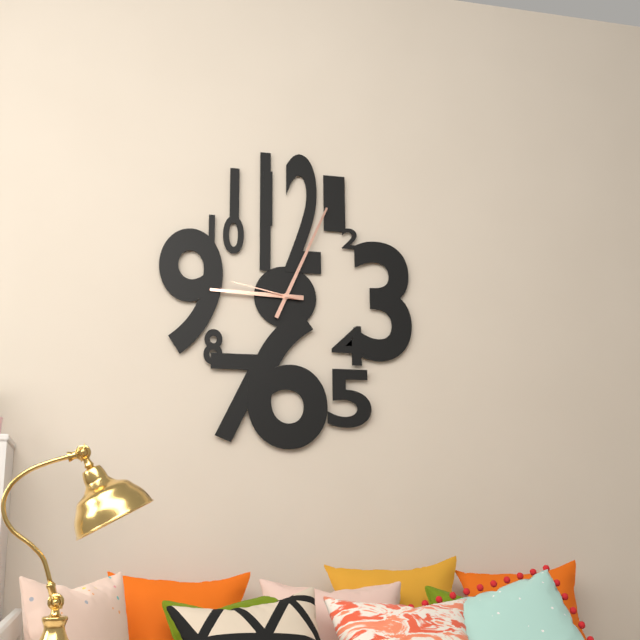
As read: 9:04:47
